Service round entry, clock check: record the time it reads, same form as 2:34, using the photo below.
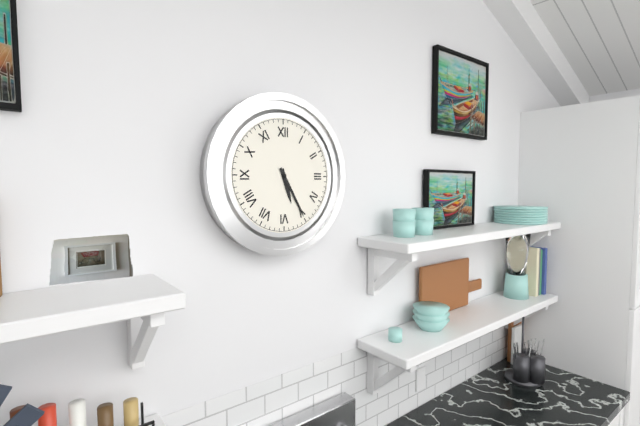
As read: 5:25
